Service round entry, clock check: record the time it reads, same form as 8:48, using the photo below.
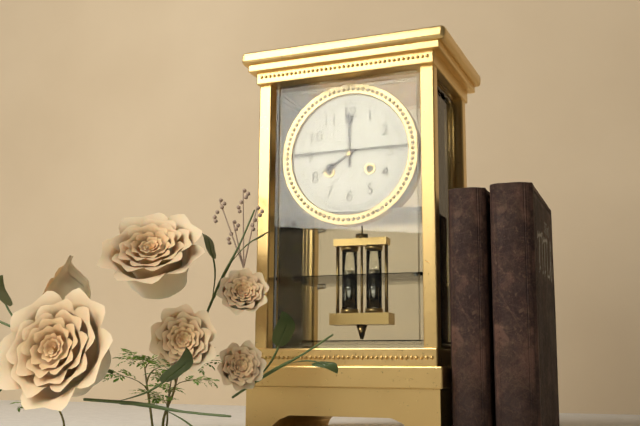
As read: 8:00
